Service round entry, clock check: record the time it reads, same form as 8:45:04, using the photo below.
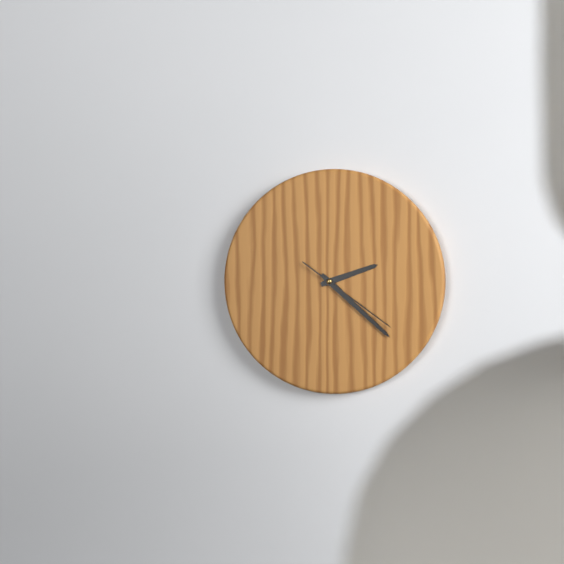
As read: 2:22:21
